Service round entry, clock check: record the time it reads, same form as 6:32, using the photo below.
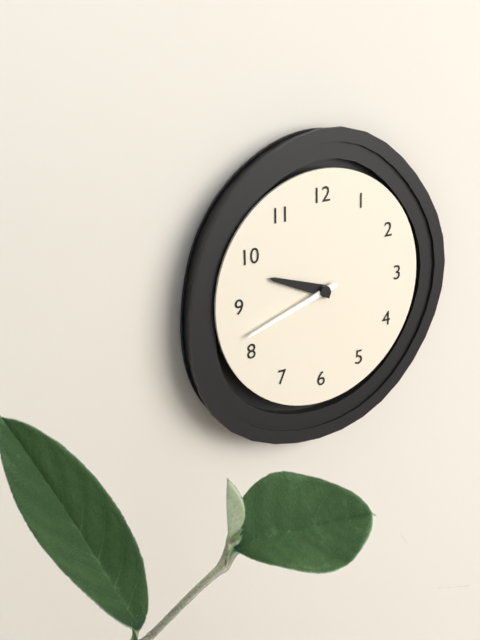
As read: 9:42
